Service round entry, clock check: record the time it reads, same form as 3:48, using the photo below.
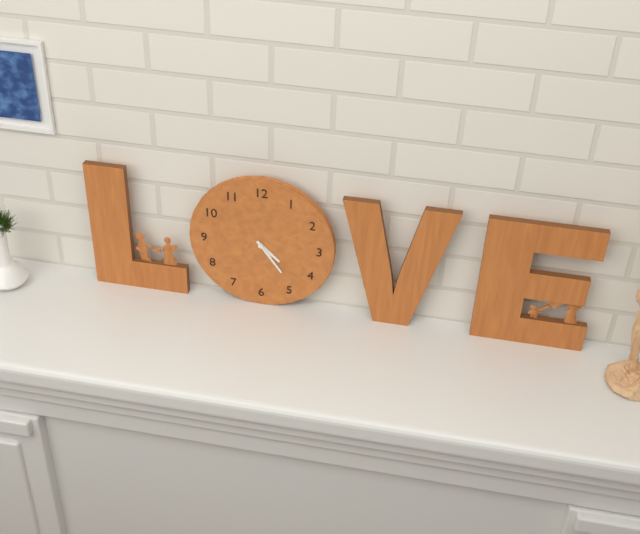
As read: 4:24
